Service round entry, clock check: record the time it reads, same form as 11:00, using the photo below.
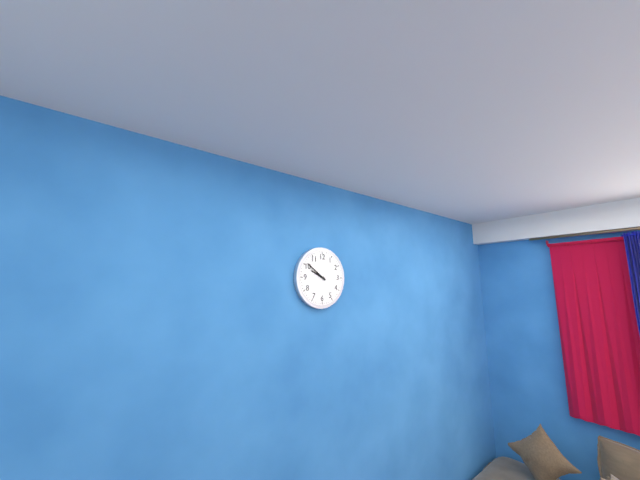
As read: 9:51
